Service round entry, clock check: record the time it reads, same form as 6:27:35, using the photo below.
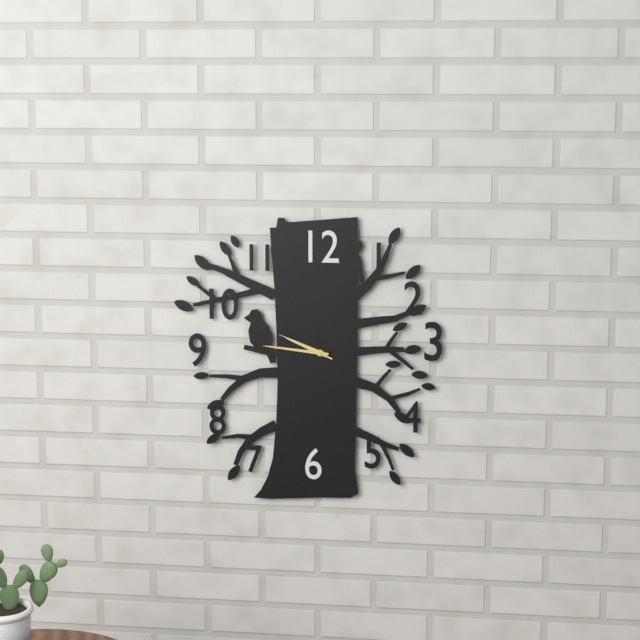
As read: 9:46:49
